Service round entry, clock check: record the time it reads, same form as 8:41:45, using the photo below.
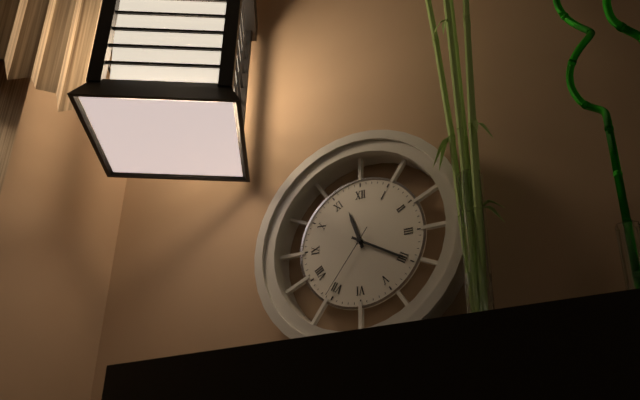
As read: 11:20:36
